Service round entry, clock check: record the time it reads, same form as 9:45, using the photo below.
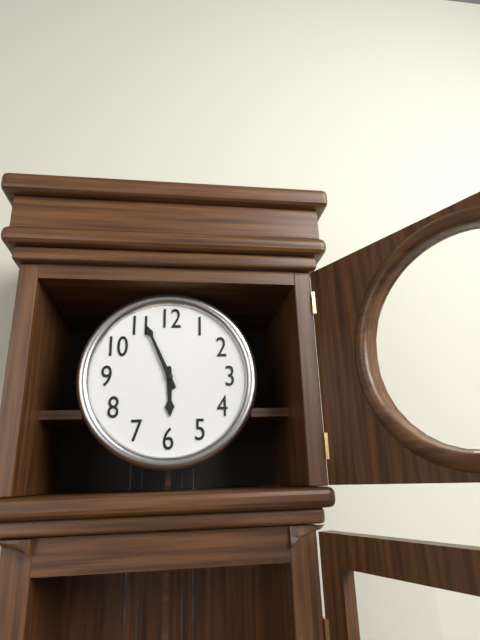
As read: 5:56
